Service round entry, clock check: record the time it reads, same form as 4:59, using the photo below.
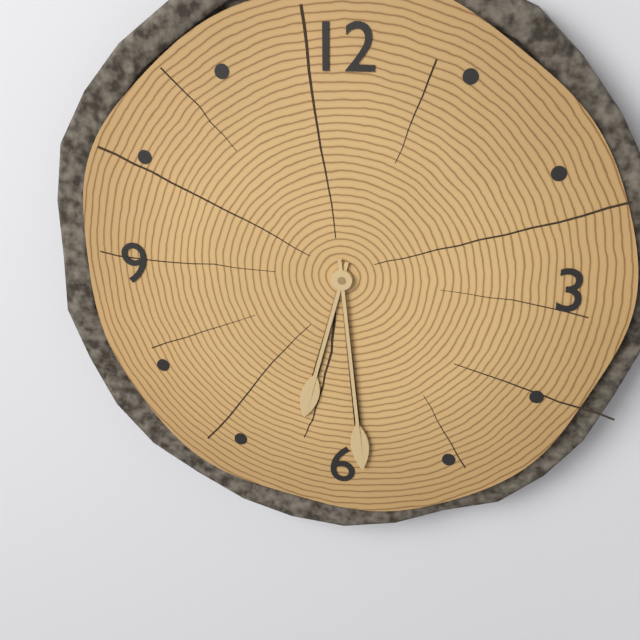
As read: 6:29
